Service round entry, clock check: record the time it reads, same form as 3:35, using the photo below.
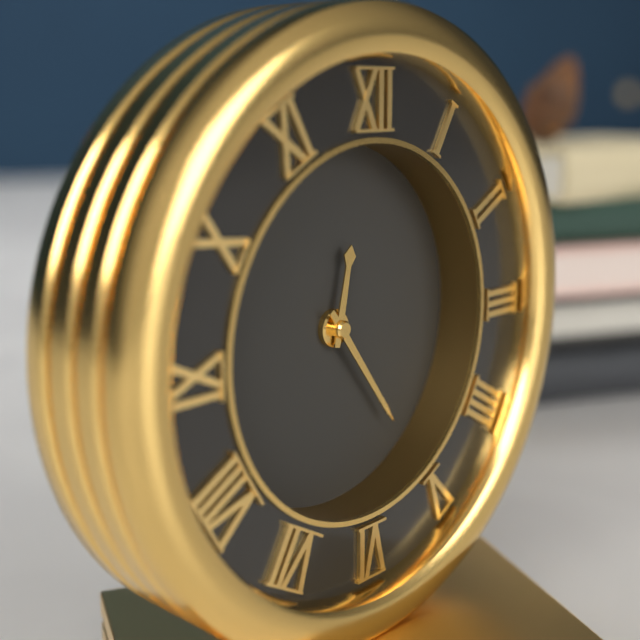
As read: 12:24
